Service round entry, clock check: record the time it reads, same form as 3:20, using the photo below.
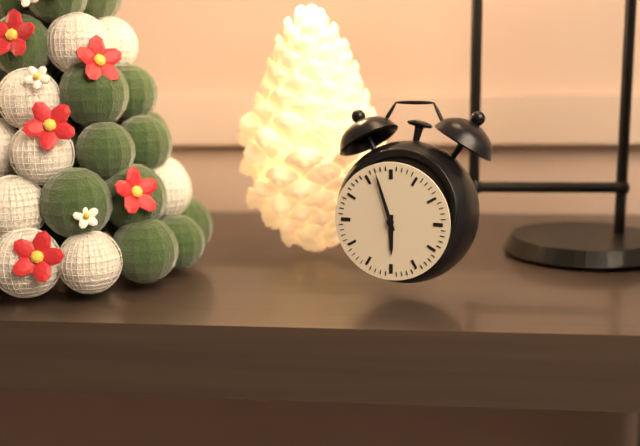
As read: 5:57
